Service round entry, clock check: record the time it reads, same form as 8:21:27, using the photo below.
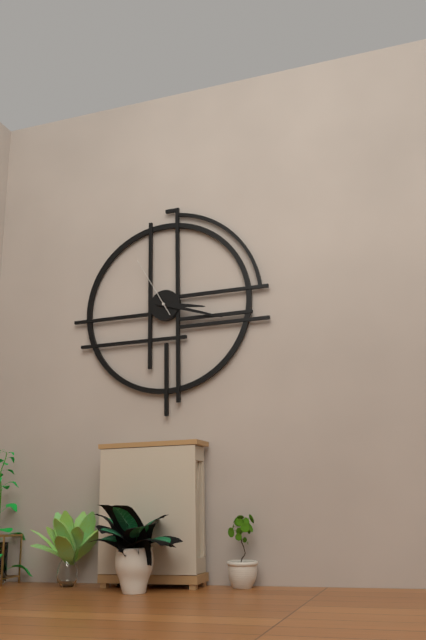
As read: 3:18:55
